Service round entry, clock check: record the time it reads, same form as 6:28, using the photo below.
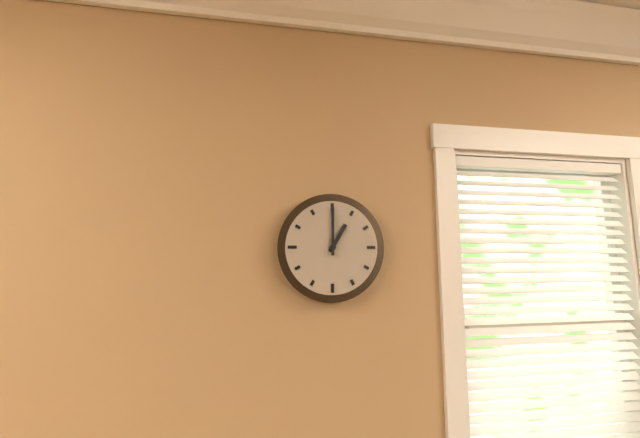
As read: 1:00
